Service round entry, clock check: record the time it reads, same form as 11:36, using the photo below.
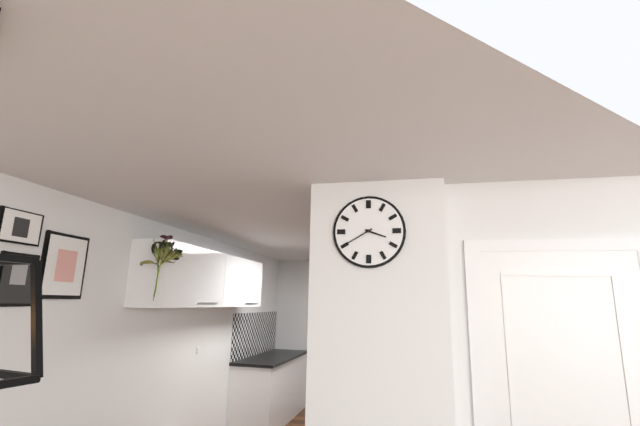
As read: 3:40
